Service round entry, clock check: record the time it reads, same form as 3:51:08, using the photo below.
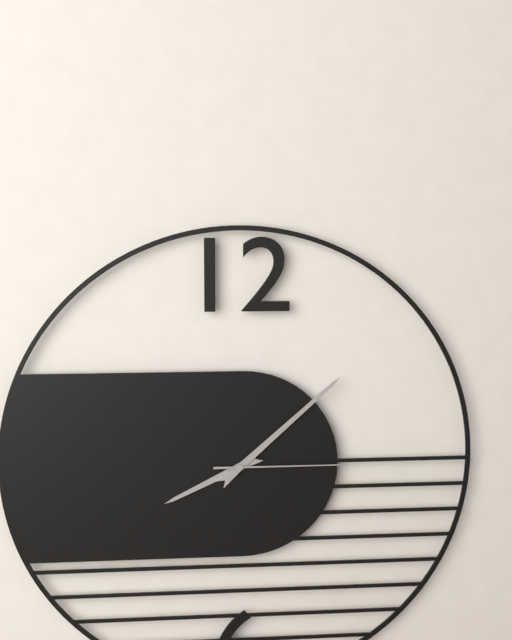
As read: 8:08:15
